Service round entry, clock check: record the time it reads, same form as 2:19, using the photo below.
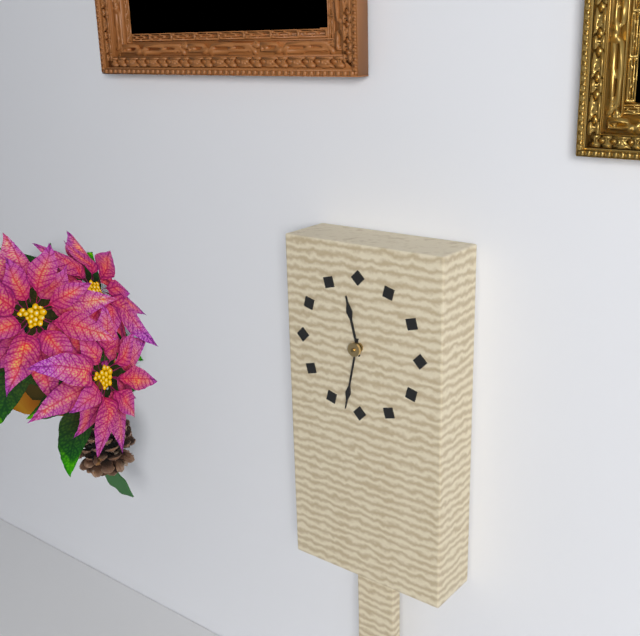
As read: 11:32
